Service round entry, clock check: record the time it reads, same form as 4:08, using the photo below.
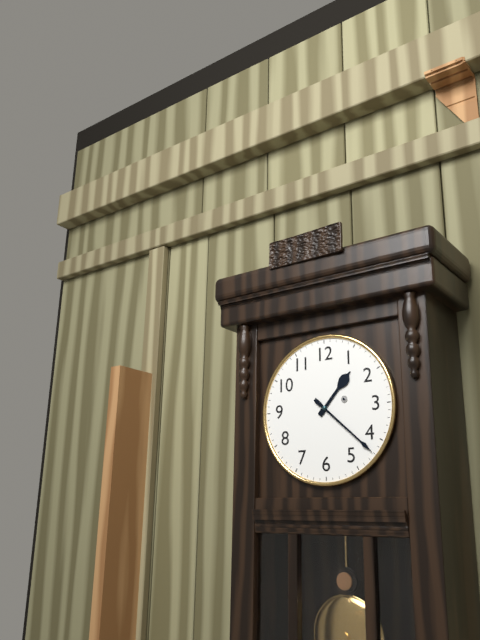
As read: 1:22
